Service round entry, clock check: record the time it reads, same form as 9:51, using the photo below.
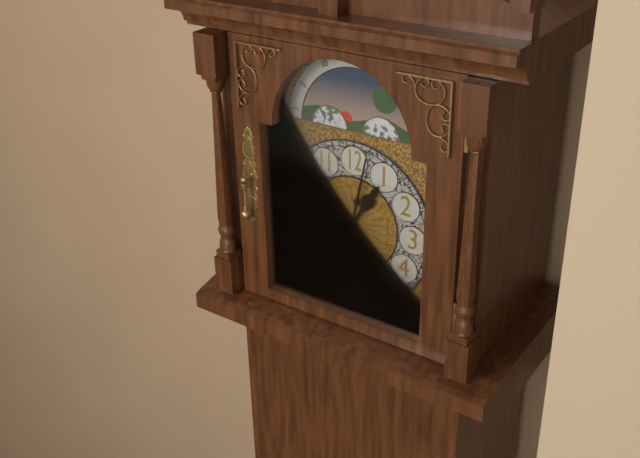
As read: 1:02
